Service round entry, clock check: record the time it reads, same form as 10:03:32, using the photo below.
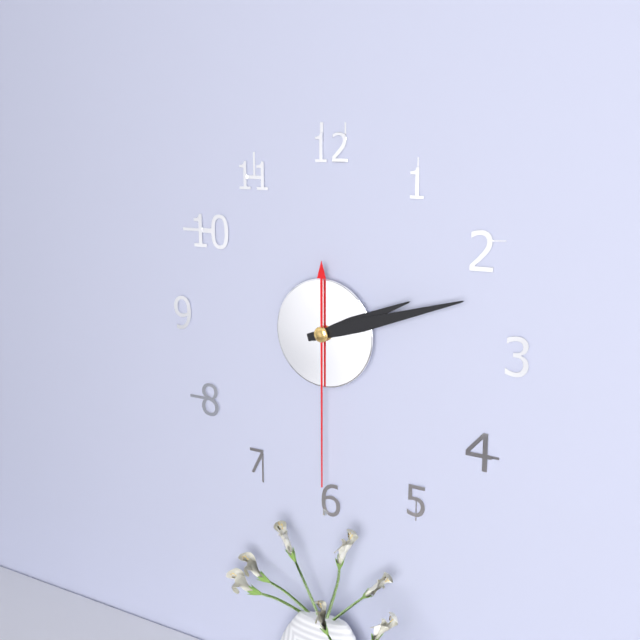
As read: 2:12:30
